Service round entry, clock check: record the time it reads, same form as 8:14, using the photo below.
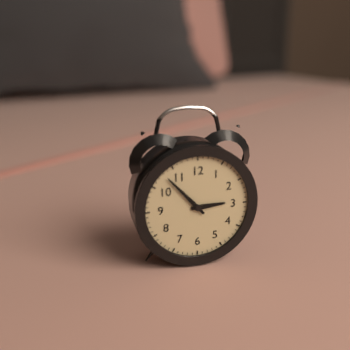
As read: 2:53
